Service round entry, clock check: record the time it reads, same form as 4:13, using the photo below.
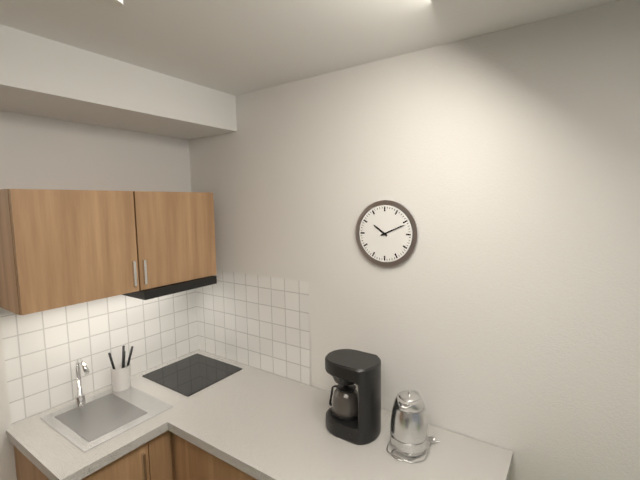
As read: 10:11
